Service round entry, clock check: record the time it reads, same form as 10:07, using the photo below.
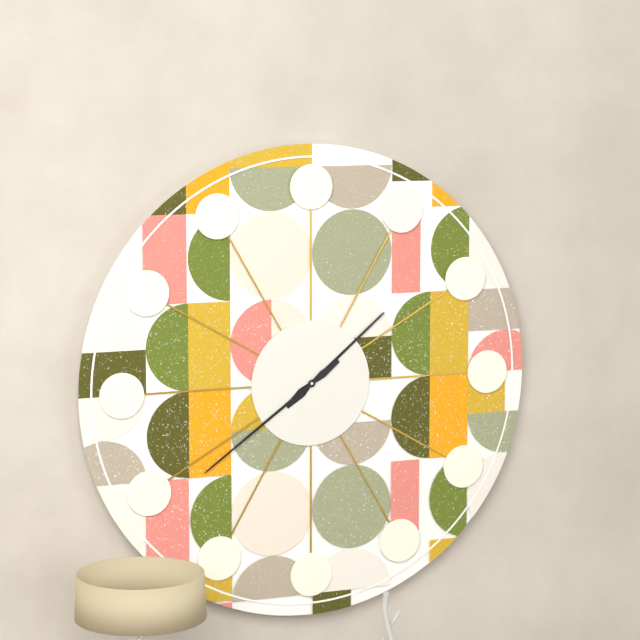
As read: 1:39
